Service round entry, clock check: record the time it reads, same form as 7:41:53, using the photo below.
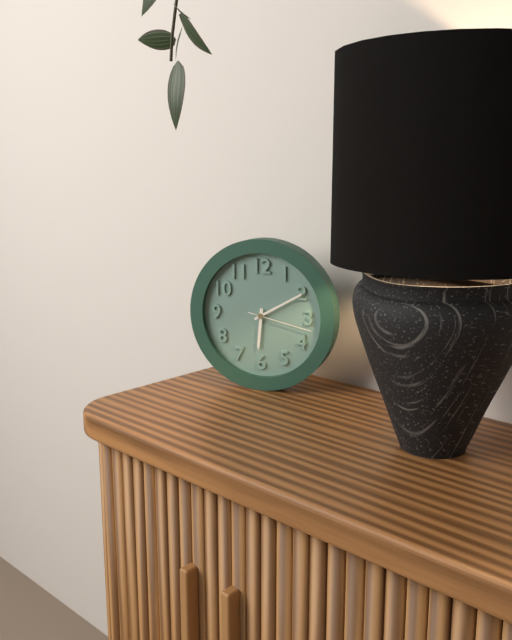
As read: 6:10:17
